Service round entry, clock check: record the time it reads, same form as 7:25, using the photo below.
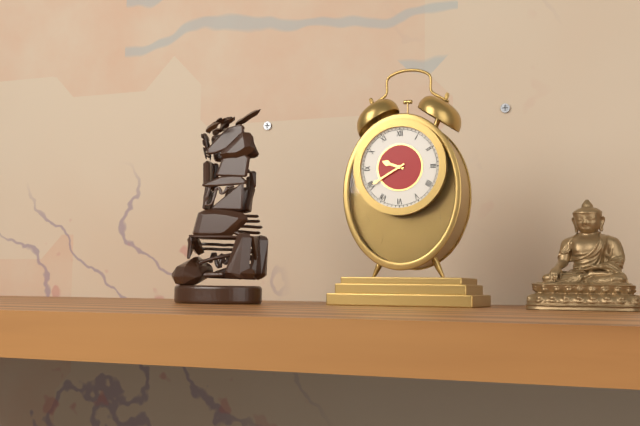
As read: 9:40
